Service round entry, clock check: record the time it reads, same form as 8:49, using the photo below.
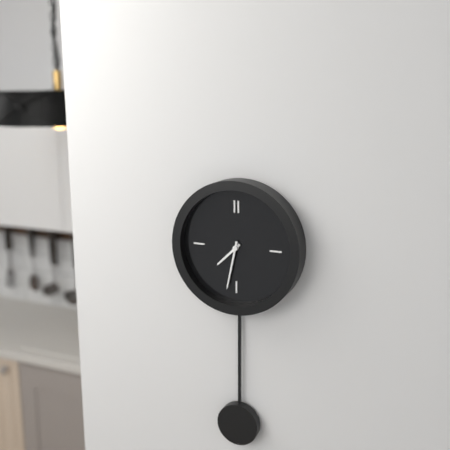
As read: 7:32
